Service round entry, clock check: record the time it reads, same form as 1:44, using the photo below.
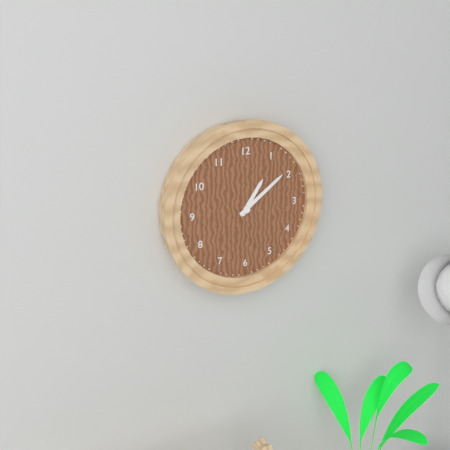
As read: 1:09
